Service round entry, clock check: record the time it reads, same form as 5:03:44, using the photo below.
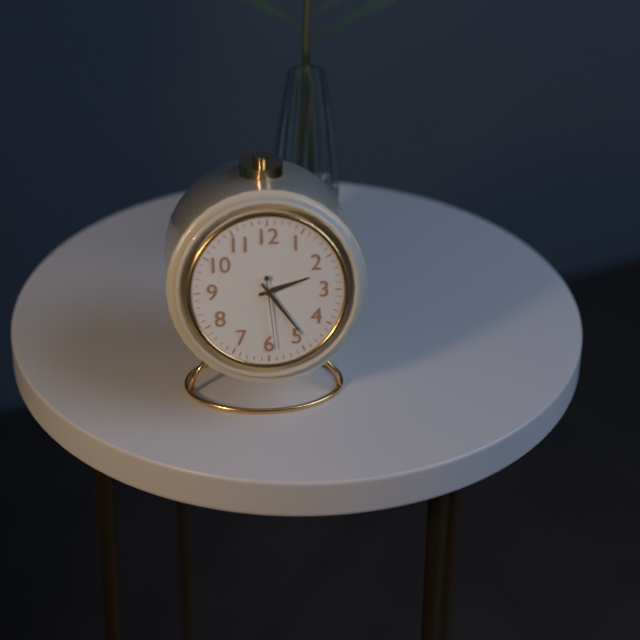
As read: 2:24:29
